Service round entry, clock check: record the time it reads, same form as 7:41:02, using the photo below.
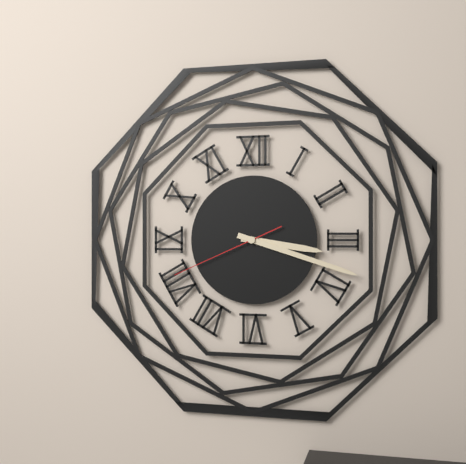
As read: 3:18:41
